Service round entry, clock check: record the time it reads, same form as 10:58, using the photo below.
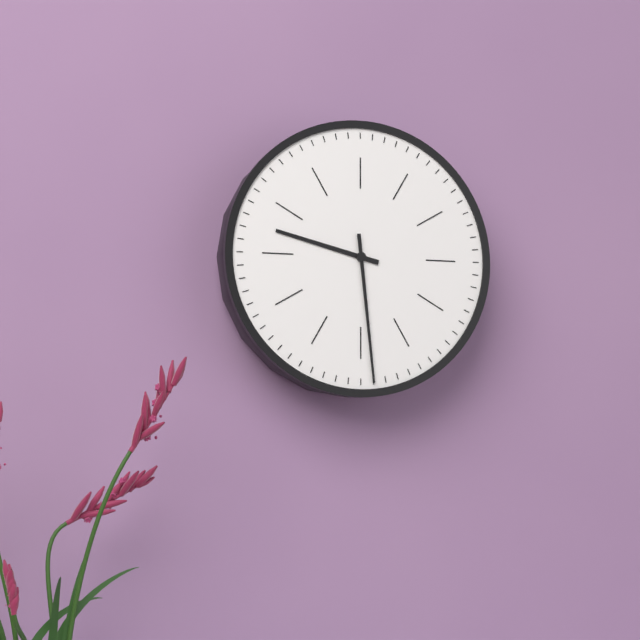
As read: 9:29
